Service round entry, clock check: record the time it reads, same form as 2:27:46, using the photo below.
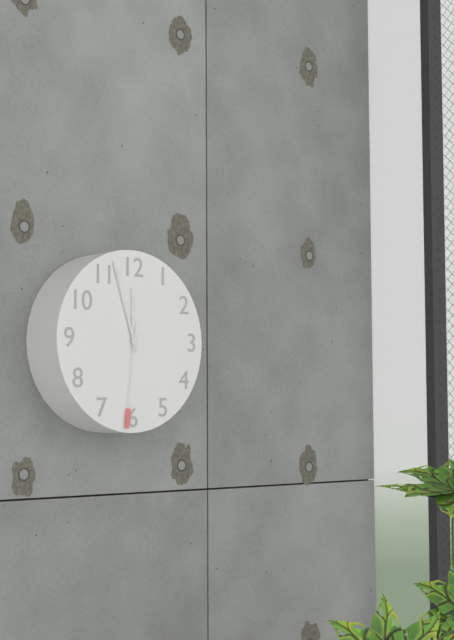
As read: 11:57:31
